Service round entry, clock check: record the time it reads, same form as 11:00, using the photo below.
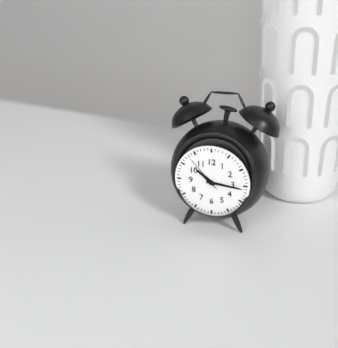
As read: 10:16
